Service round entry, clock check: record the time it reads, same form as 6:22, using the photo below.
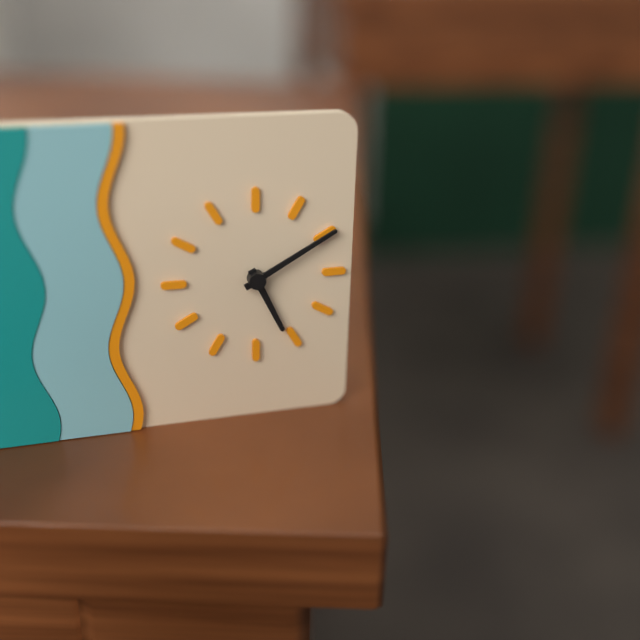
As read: 5:10
